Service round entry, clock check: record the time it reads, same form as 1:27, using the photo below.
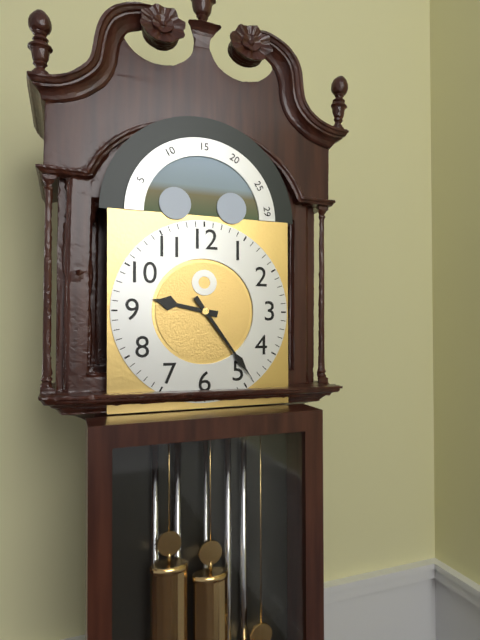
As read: 9:24
